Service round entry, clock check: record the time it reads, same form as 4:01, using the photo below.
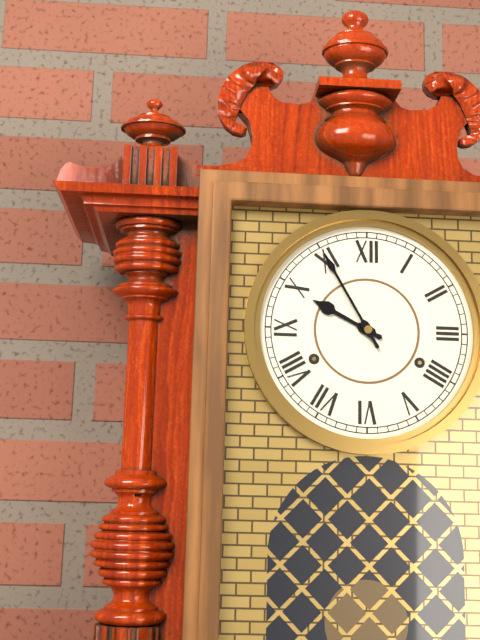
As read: 9:55
